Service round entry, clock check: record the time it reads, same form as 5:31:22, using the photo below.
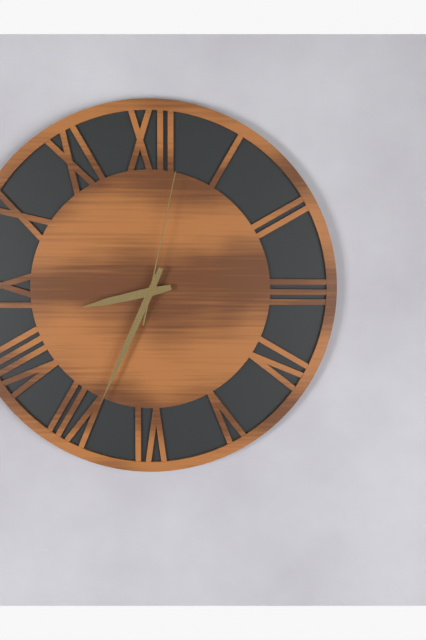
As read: 8:34:02
